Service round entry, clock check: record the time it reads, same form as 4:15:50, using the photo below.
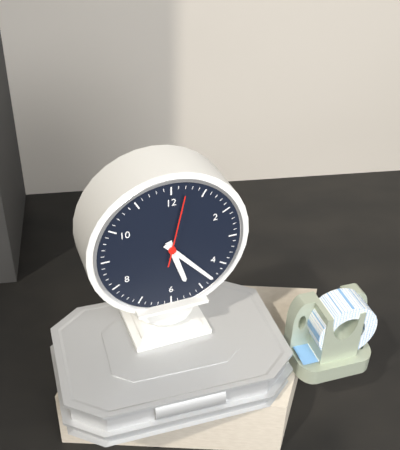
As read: 5:23:02
